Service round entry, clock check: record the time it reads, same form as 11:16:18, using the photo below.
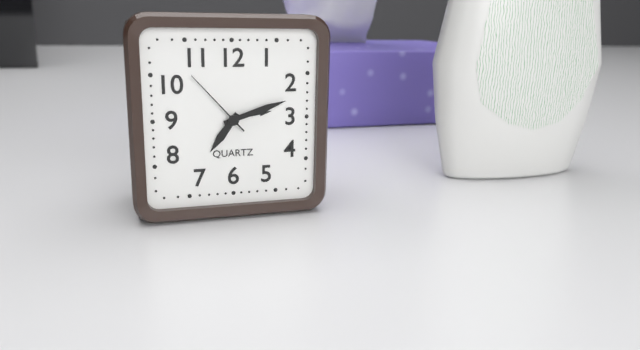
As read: 7:12:53
